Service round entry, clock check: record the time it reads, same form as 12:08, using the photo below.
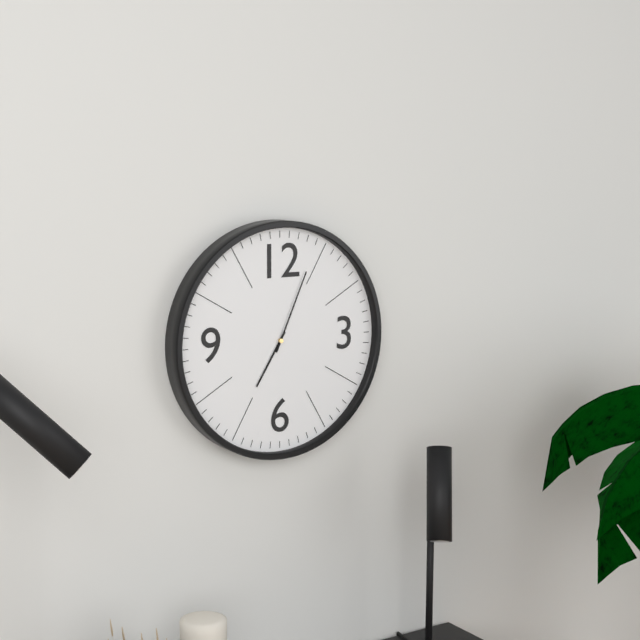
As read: 7:04
